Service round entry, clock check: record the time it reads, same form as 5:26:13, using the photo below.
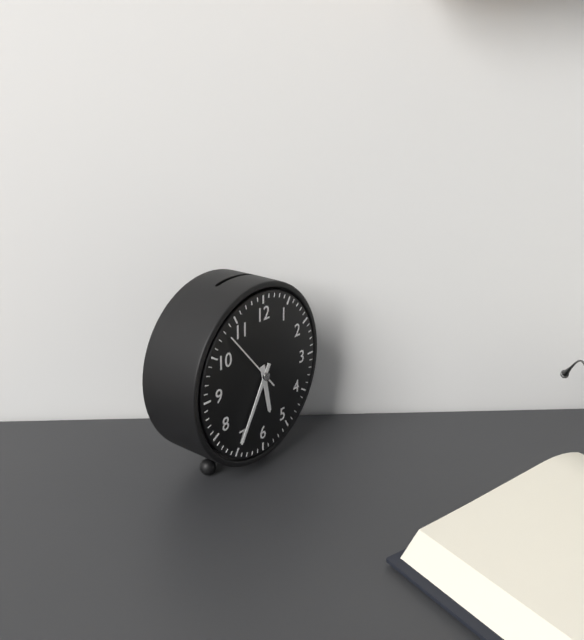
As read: 5:35:53
